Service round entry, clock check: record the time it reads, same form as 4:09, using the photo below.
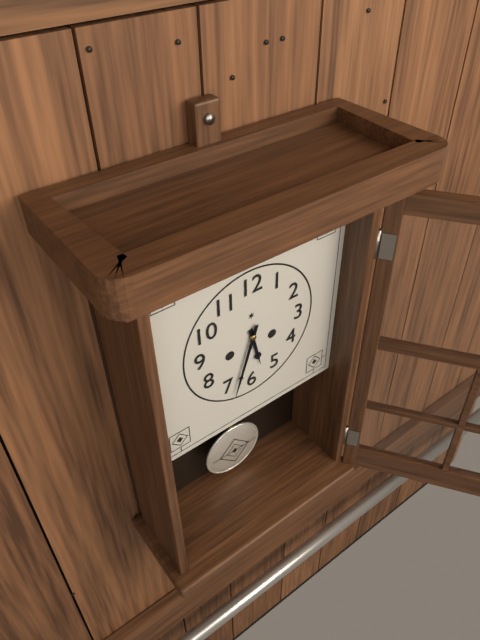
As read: 5:33
